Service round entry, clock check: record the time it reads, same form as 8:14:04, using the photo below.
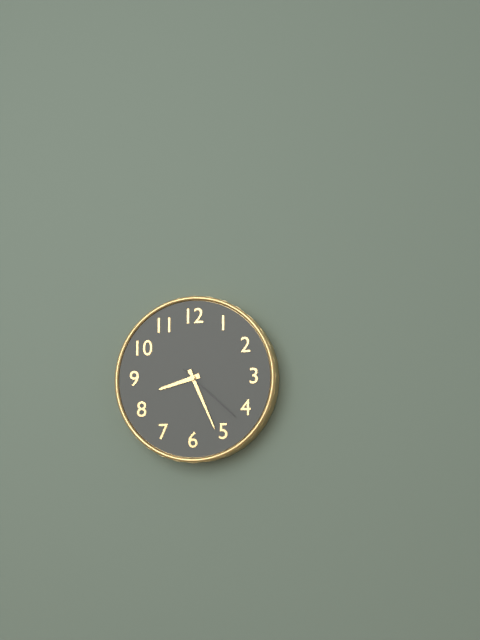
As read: 8:26:22
